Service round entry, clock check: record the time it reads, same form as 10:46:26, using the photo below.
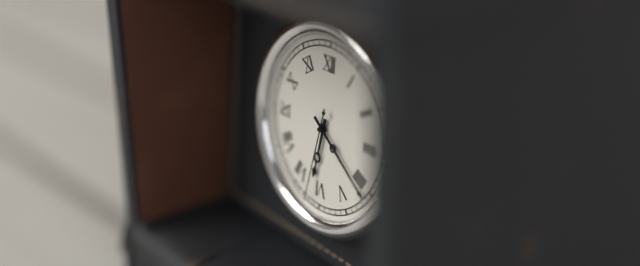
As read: 6:21:32
